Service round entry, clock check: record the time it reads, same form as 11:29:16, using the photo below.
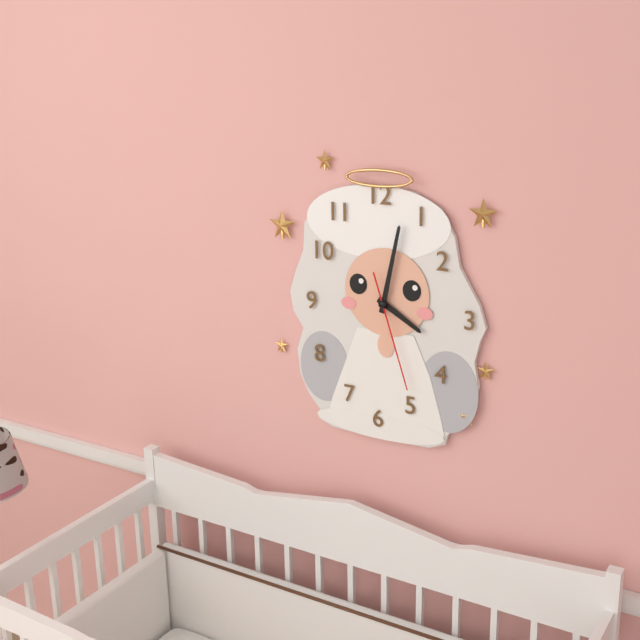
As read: 4:02:27
